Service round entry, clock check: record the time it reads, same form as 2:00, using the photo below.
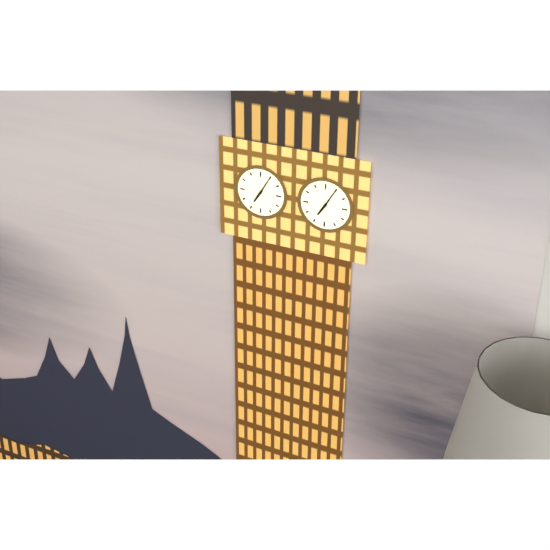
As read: 7:05
